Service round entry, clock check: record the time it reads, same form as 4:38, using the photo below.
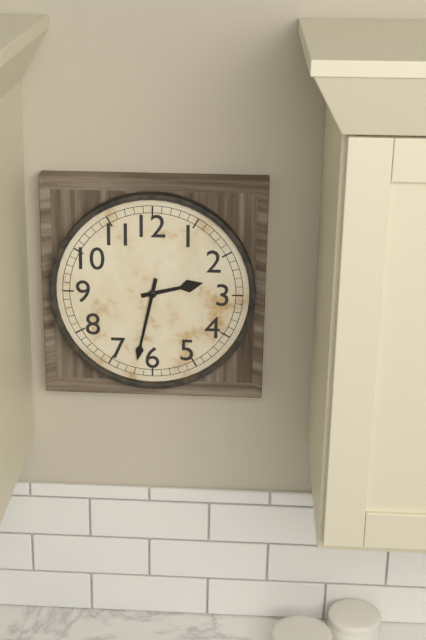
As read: 2:32
